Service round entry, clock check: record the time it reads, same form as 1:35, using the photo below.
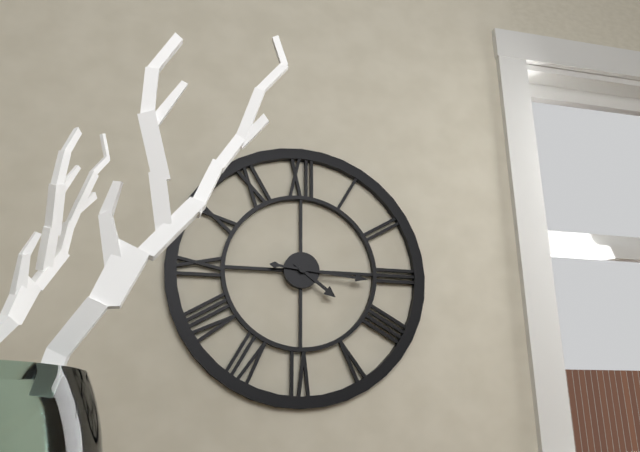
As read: 4:16
